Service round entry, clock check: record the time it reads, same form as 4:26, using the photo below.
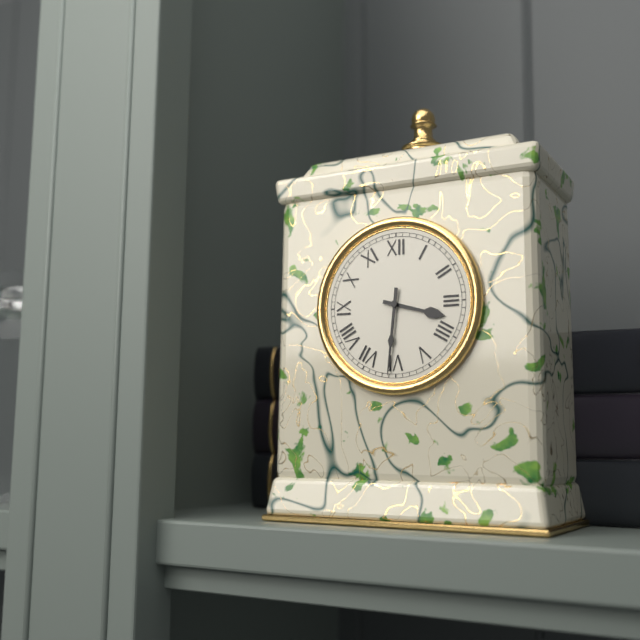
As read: 3:31
